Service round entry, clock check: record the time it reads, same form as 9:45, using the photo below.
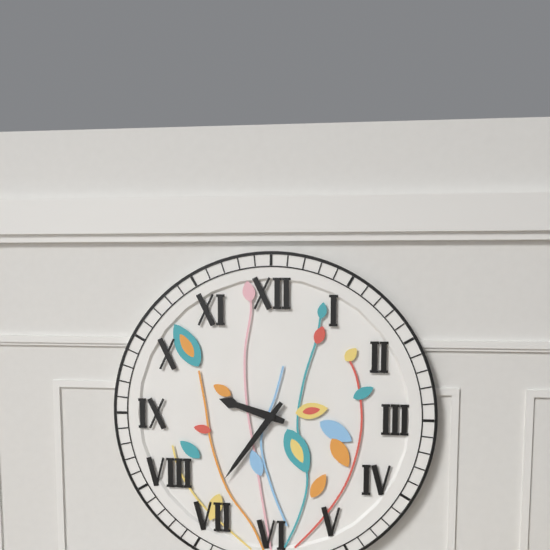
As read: 9:36
